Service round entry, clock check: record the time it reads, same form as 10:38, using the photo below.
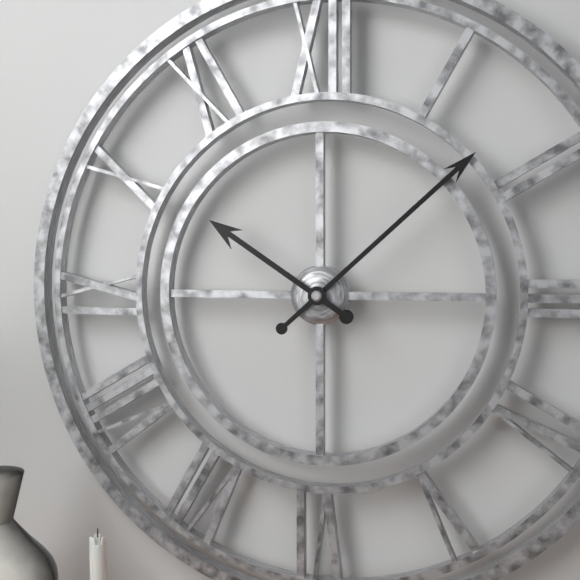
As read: 10:08
